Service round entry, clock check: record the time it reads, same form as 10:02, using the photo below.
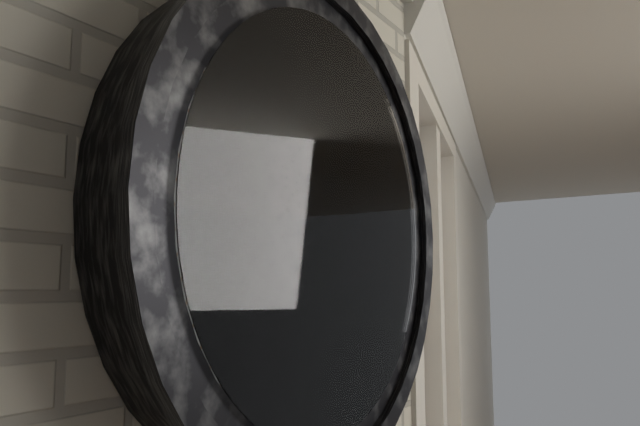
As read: 4:34
